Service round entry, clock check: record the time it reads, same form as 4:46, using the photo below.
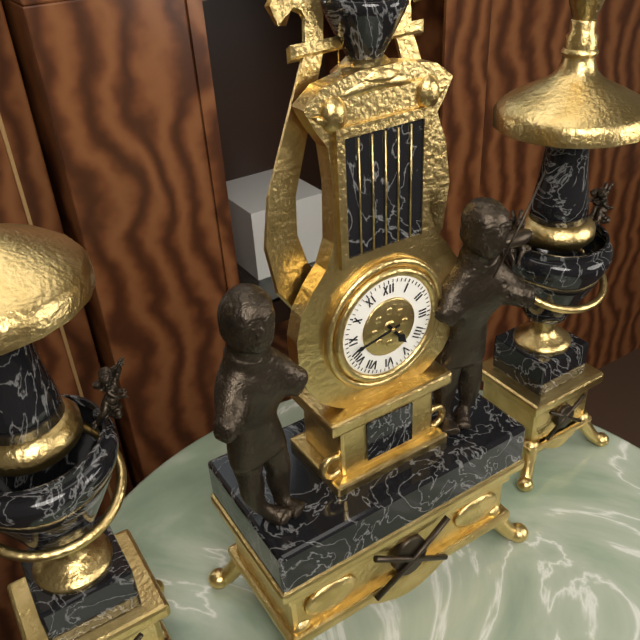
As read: 4:43
